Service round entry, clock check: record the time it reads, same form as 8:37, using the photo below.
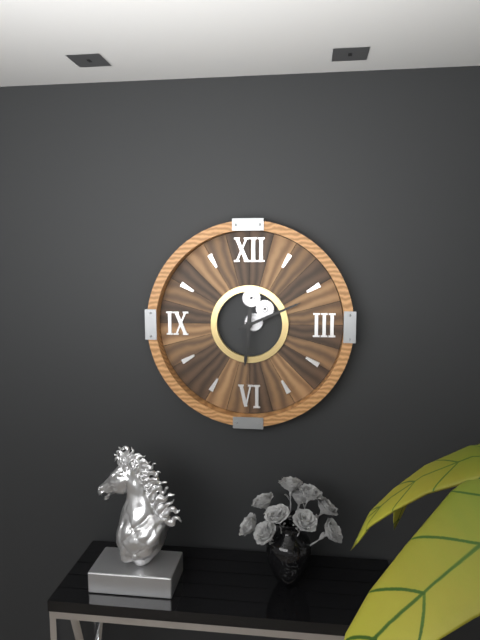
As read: 6:11
